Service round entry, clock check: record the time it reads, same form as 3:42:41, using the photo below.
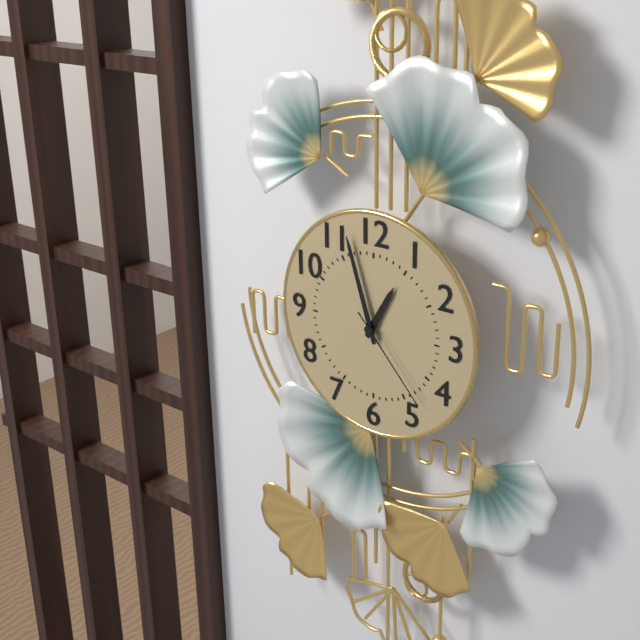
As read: 12:57:23
